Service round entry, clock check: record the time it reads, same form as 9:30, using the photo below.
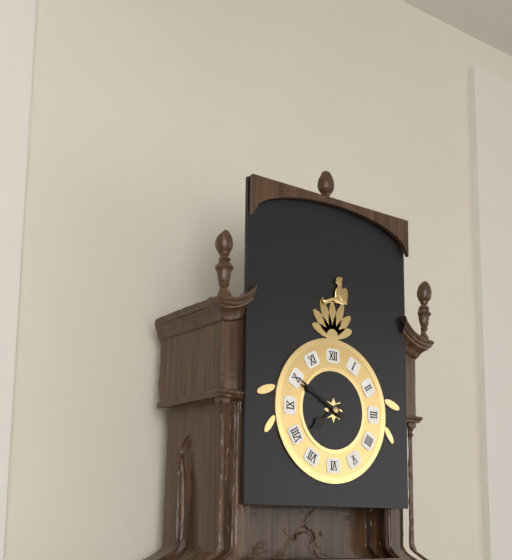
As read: 7:50
